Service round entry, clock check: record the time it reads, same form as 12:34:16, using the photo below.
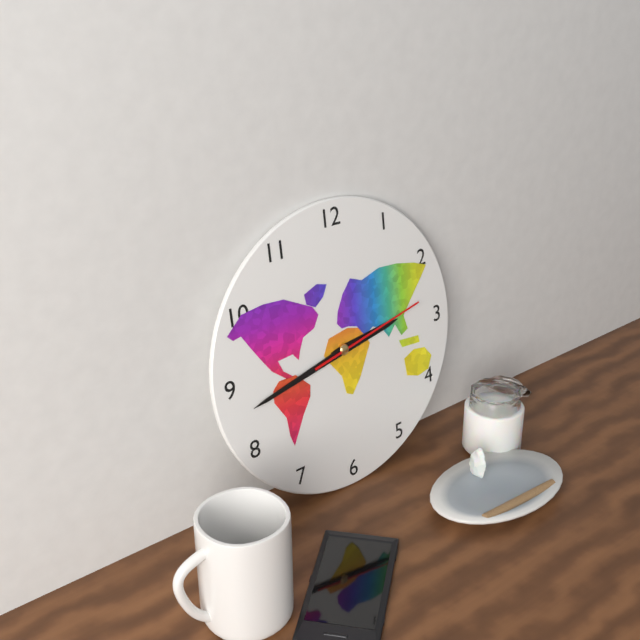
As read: 2:43:13
